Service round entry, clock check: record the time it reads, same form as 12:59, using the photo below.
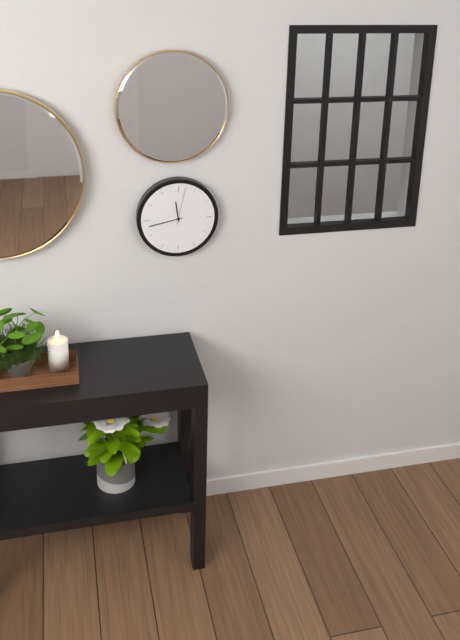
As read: 11:43
